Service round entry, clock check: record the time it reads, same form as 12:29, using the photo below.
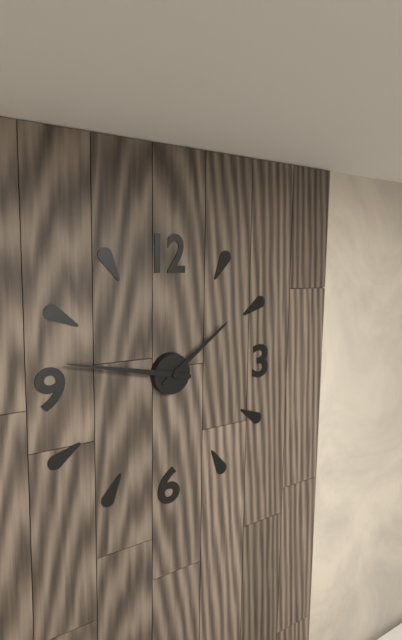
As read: 1:47
